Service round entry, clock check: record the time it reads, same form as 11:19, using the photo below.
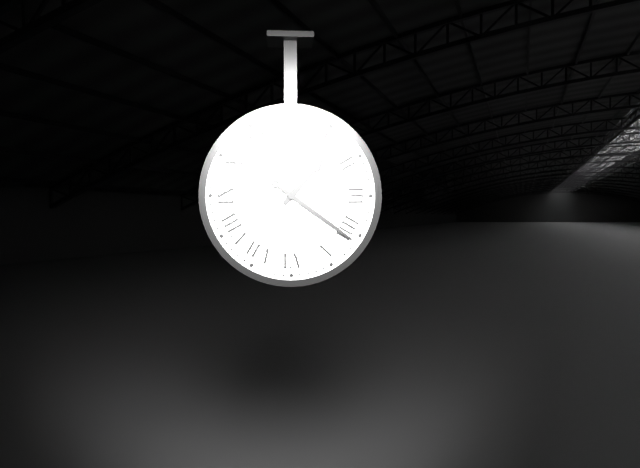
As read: 1:21
